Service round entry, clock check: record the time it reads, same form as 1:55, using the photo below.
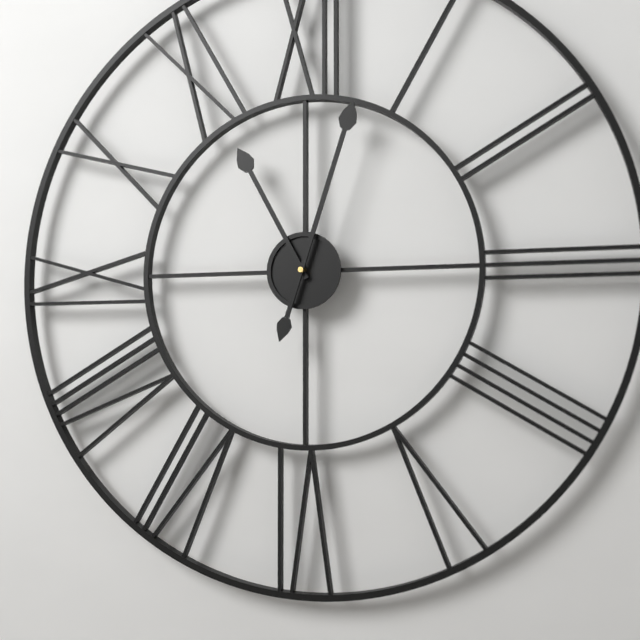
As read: 11:03
